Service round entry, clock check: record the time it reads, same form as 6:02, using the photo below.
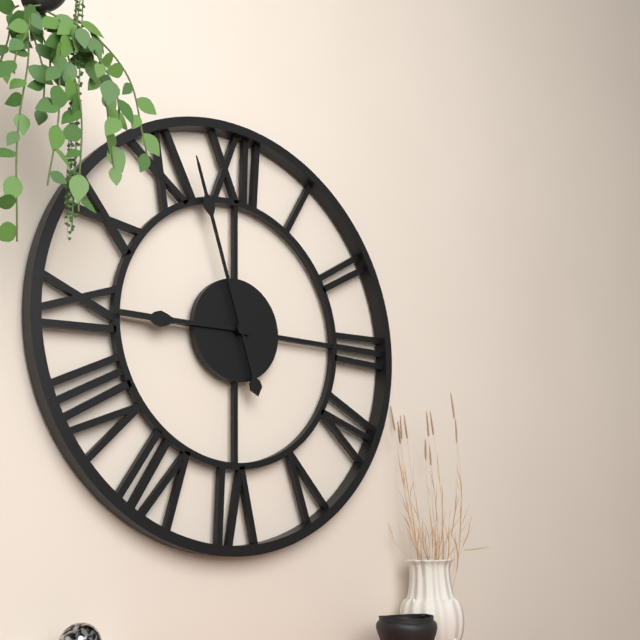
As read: 8:57
